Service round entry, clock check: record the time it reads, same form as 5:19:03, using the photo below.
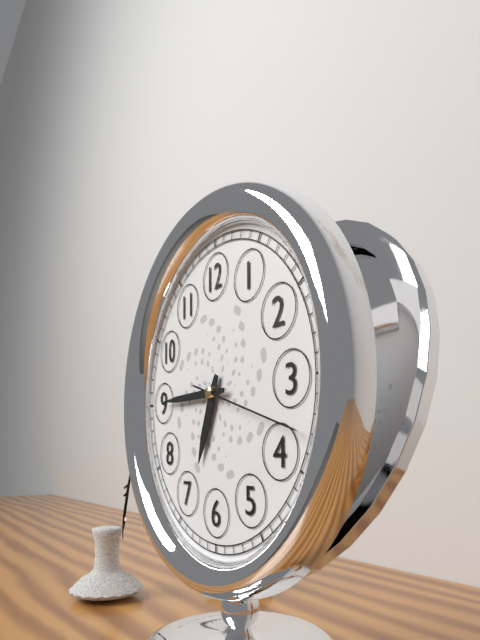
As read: 6:45:18
